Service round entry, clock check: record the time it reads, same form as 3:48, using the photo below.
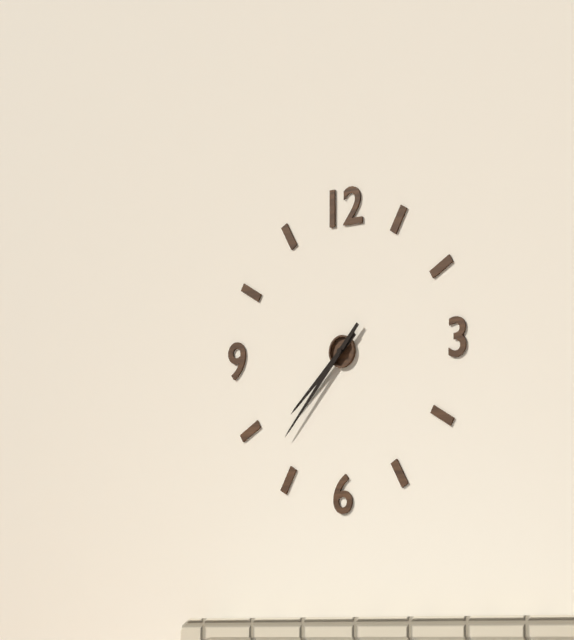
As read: 7:37
